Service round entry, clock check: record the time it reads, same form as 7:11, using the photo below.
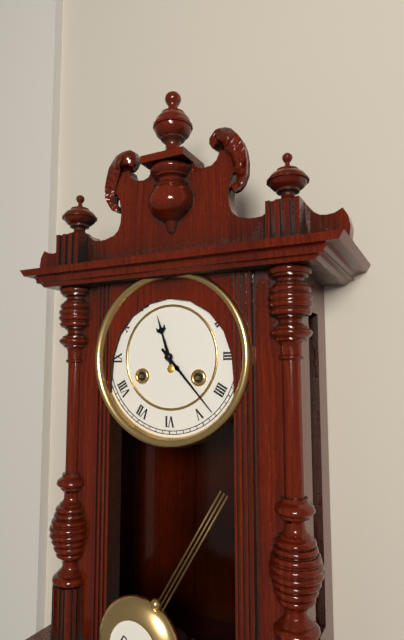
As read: 11:23
